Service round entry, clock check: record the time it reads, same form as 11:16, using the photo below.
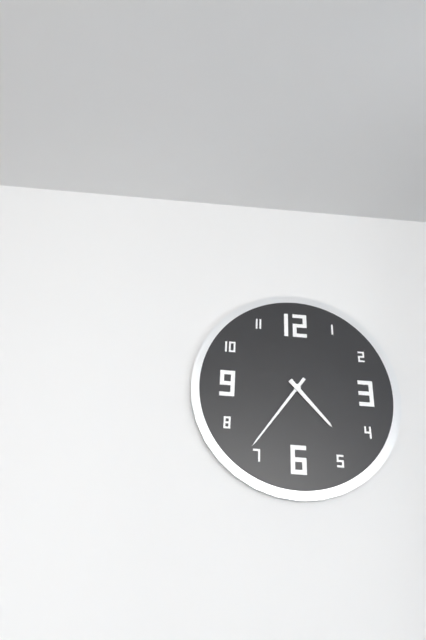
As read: 4:36
